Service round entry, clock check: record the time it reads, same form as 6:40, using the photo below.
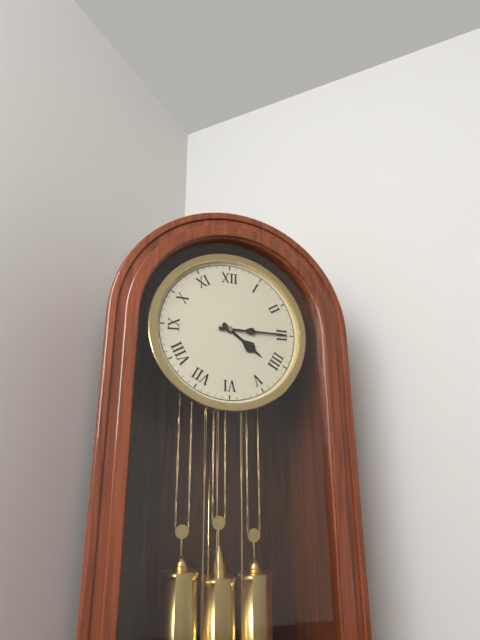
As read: 4:15
